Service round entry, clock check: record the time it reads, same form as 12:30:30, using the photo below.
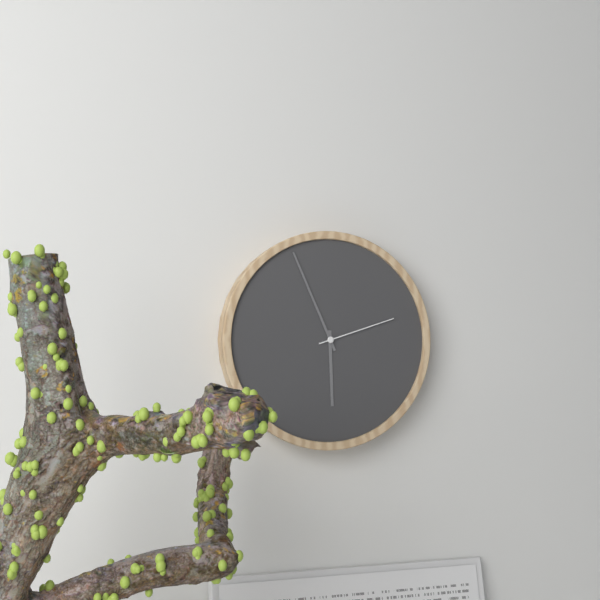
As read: 5:56:12
